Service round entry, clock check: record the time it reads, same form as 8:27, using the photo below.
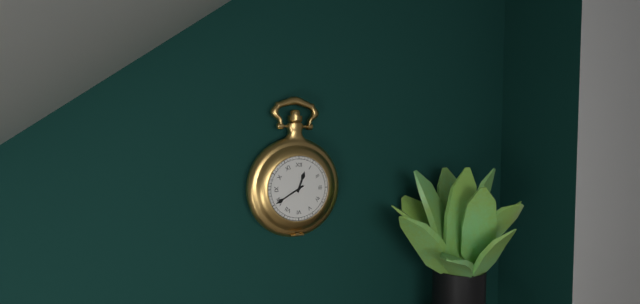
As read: 12:40
